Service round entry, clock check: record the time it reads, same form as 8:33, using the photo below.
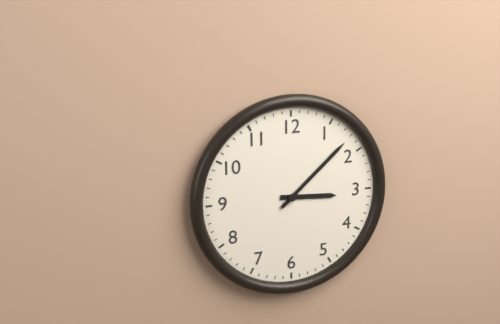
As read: 3:08
